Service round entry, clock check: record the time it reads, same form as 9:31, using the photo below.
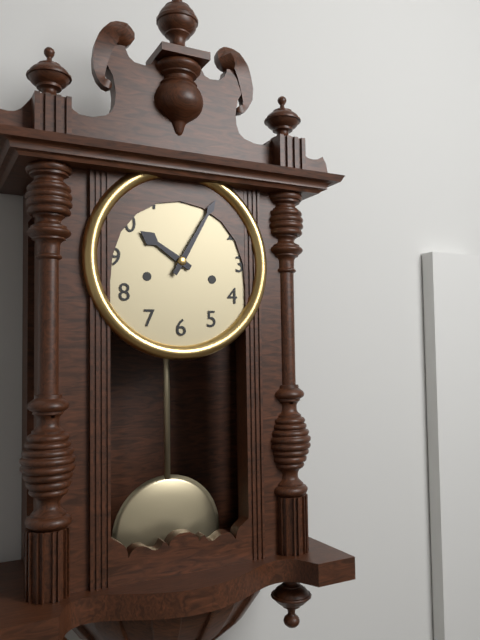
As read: 10:05
